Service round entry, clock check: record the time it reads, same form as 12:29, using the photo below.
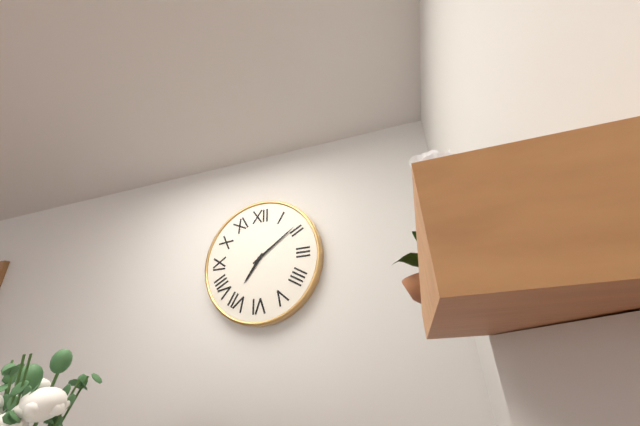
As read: 7:09
